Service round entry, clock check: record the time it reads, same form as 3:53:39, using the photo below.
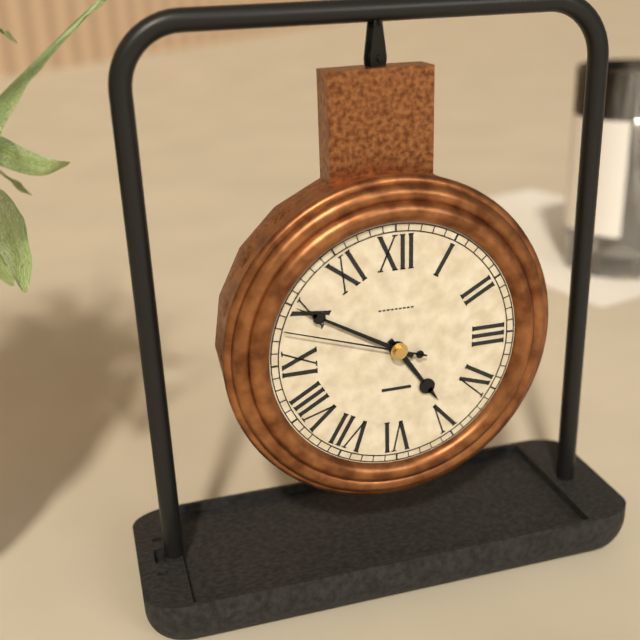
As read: 4:50:48
